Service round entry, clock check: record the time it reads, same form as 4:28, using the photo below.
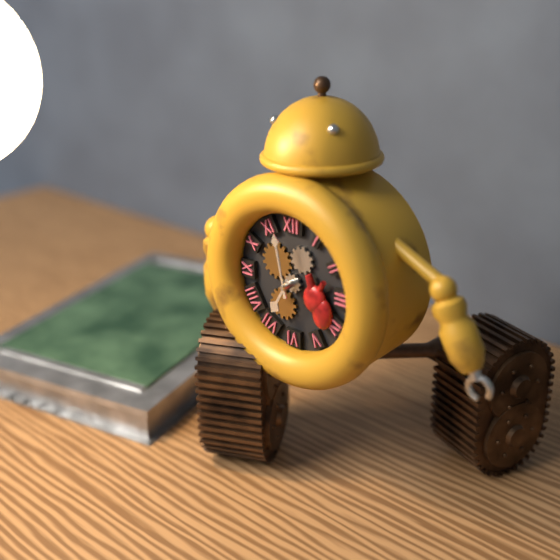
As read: 6:58
